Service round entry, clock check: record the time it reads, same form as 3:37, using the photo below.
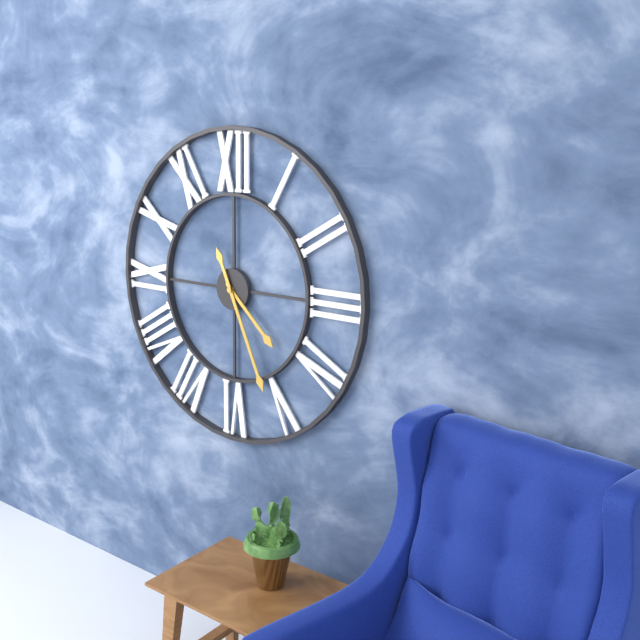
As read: 4:26
